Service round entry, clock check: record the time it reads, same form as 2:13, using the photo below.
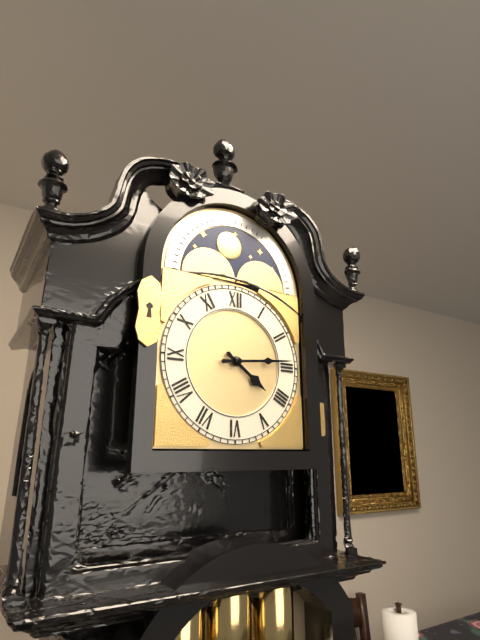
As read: 4:14
